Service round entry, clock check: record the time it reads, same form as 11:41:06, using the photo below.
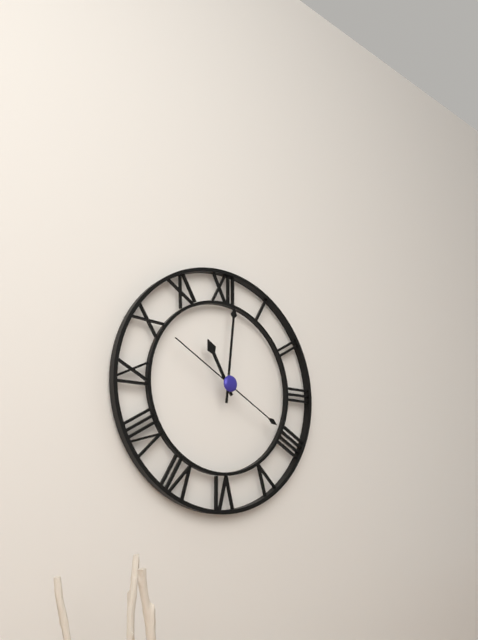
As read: 11:01:50
